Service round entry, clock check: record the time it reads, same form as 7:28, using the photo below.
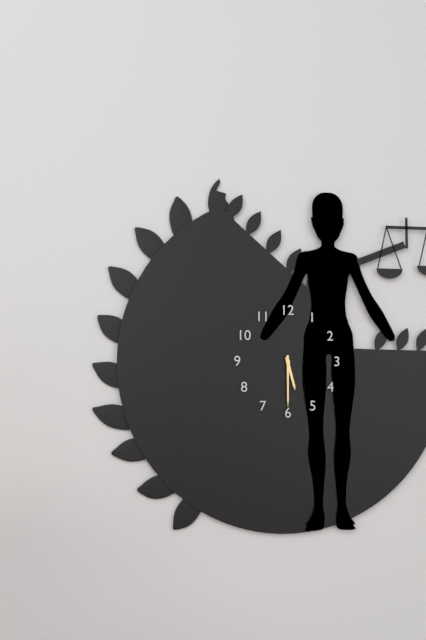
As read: 5:30
